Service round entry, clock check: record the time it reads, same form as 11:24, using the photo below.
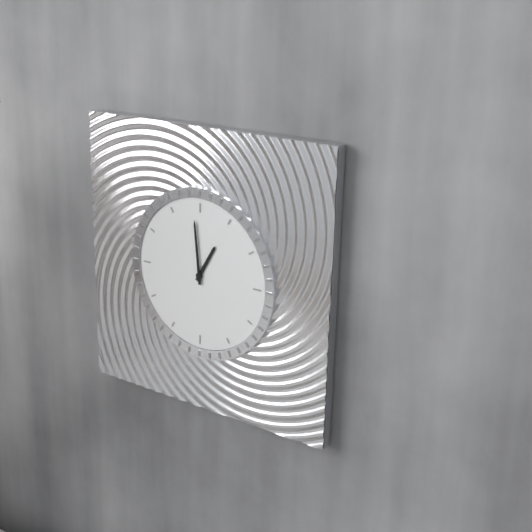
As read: 12:59
